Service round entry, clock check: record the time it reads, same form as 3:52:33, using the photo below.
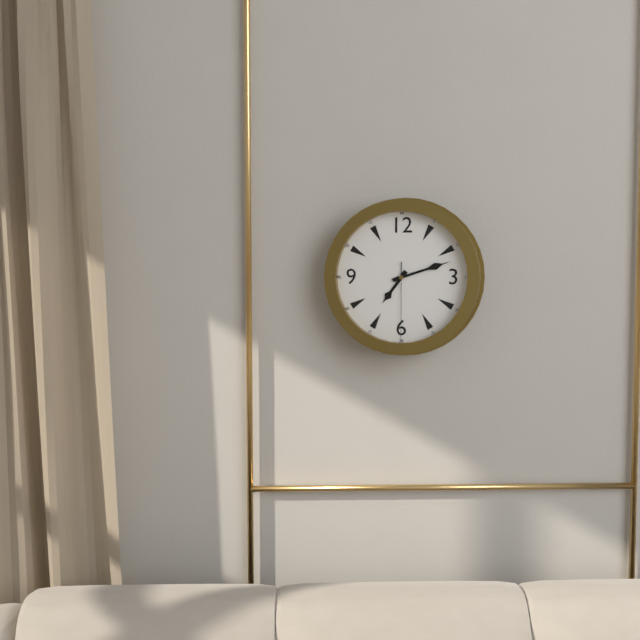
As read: 7:12:30
